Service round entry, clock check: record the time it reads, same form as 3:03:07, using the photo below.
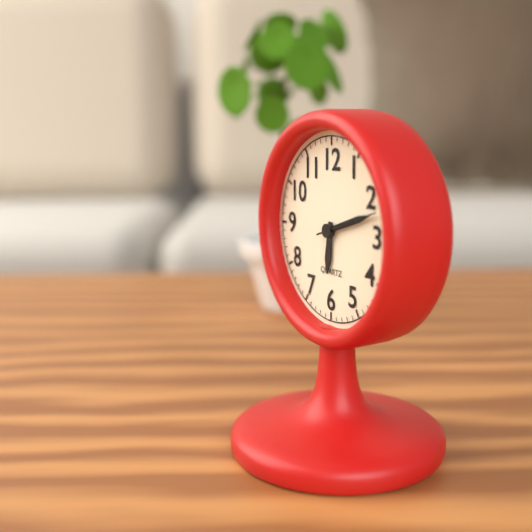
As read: 6:12:12
